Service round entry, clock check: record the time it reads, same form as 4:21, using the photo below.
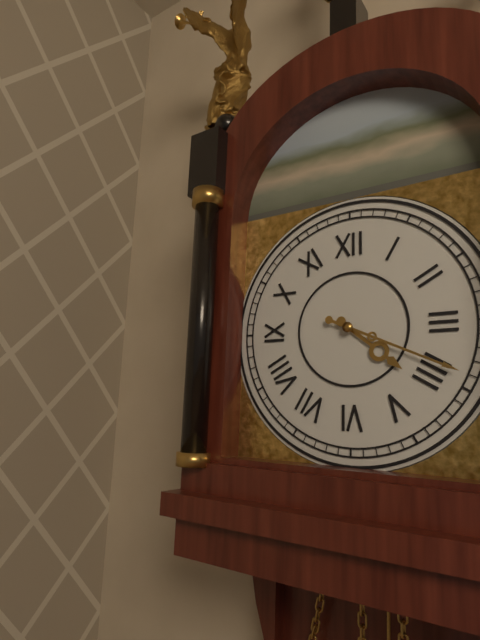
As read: 4:19
